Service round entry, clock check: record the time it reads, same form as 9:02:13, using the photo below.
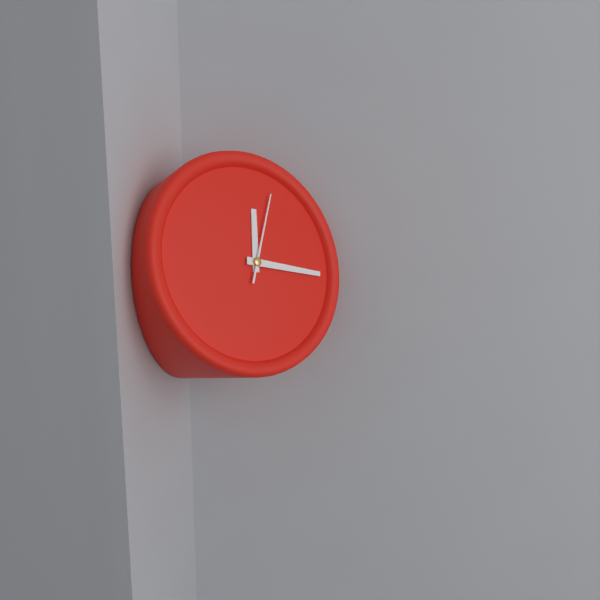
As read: 12:17:04
